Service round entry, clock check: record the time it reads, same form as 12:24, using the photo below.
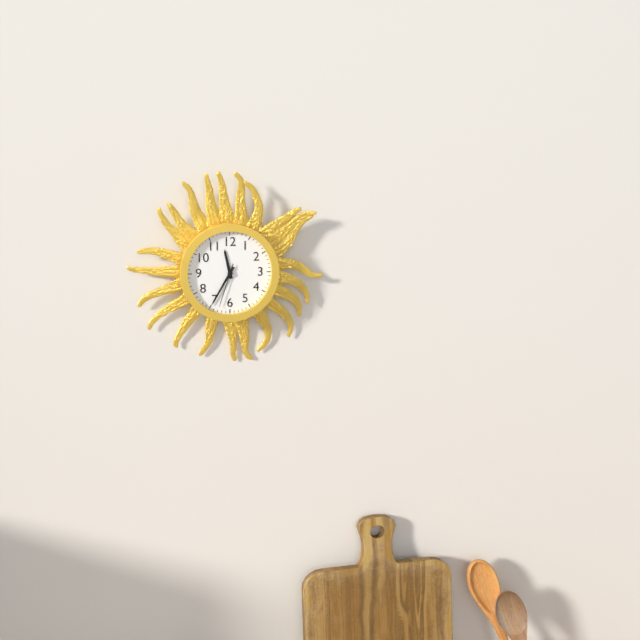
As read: 11:35
